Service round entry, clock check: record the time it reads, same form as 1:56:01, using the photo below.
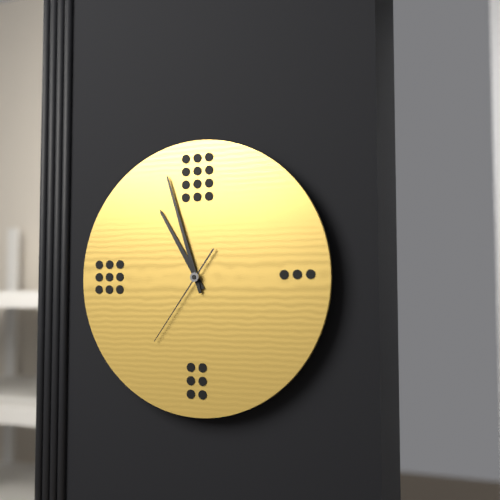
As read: 10:57:36
